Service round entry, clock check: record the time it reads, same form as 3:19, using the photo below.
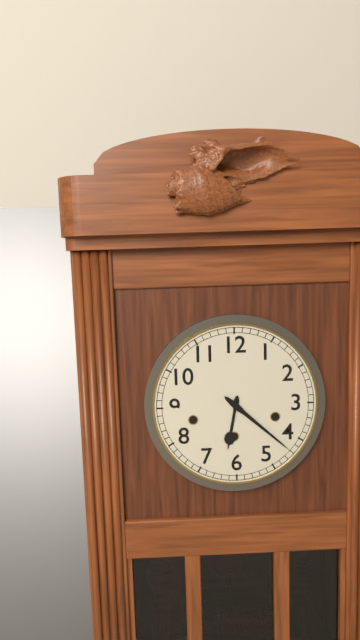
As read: 6:22
